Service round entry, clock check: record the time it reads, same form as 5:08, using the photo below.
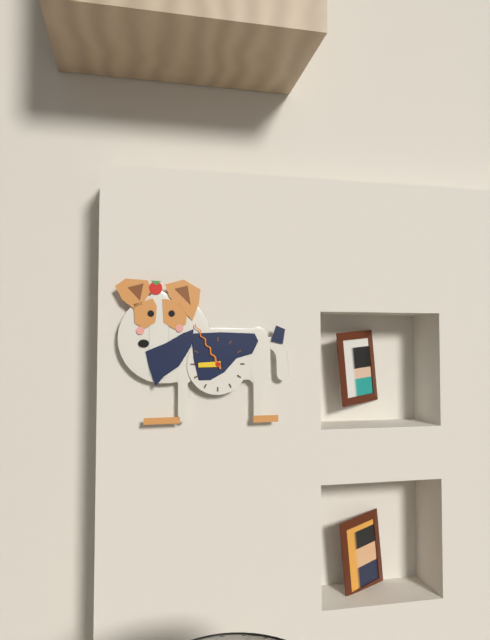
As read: 8:55
